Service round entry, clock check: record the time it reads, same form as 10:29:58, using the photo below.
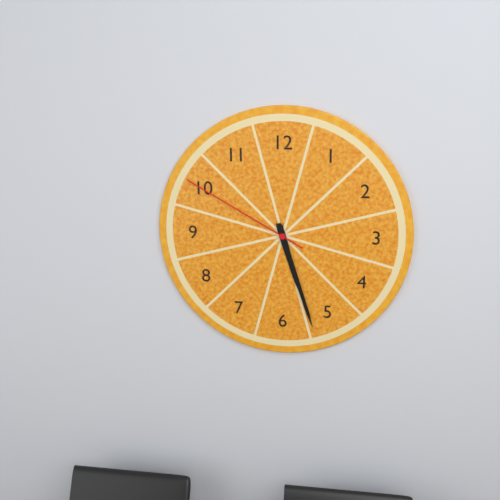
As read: 5:27:50
